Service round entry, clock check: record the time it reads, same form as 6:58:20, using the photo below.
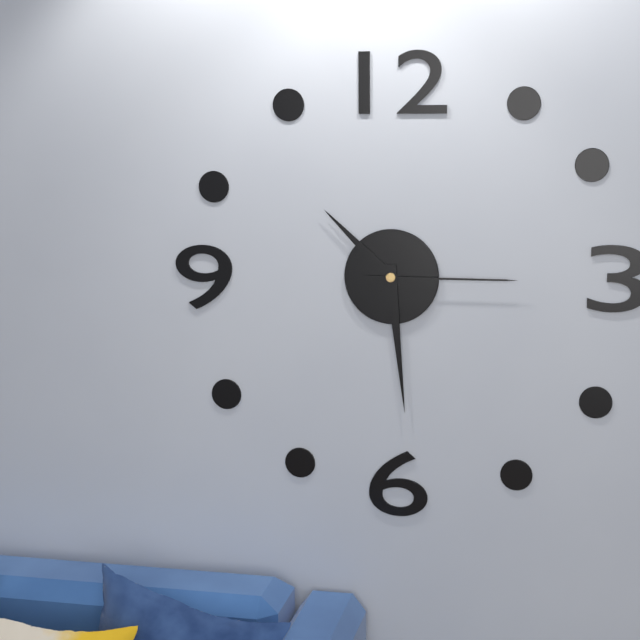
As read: 10:29:15
